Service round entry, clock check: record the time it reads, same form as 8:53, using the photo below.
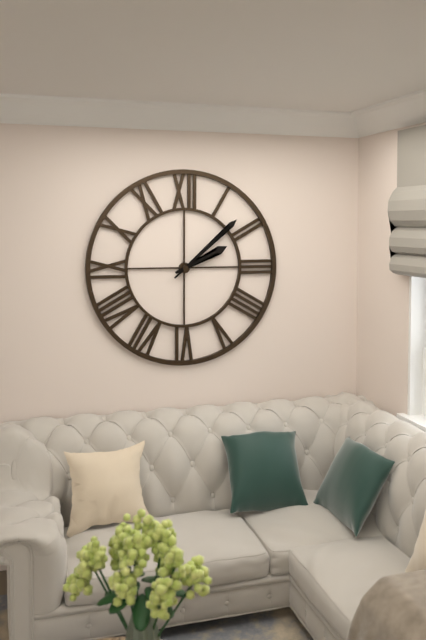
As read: 2:08
